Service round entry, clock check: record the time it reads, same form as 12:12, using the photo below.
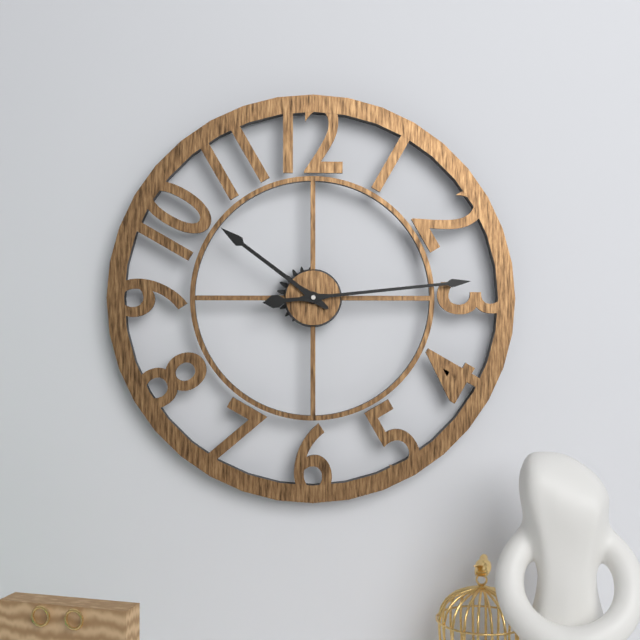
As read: 10:14
